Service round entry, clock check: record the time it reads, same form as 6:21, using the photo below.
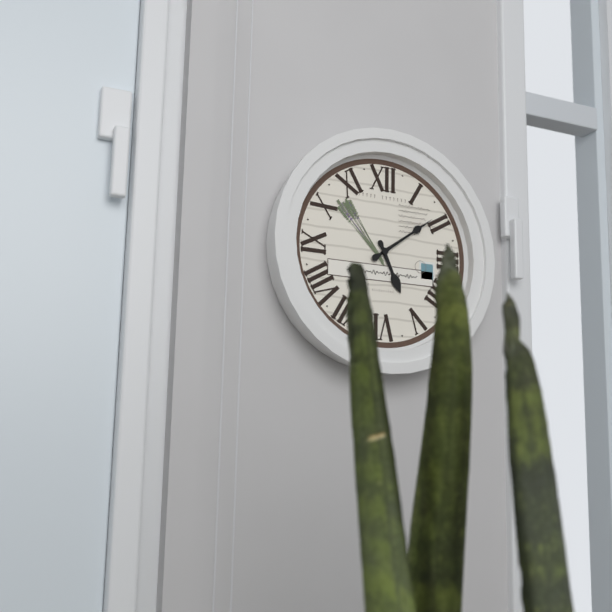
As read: 5:09
